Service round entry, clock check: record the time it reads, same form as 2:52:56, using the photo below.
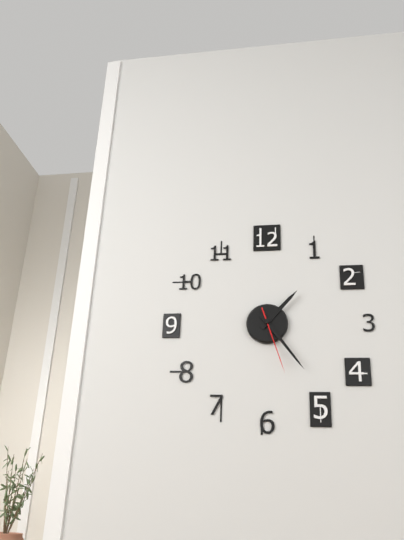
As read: 1:24:27
